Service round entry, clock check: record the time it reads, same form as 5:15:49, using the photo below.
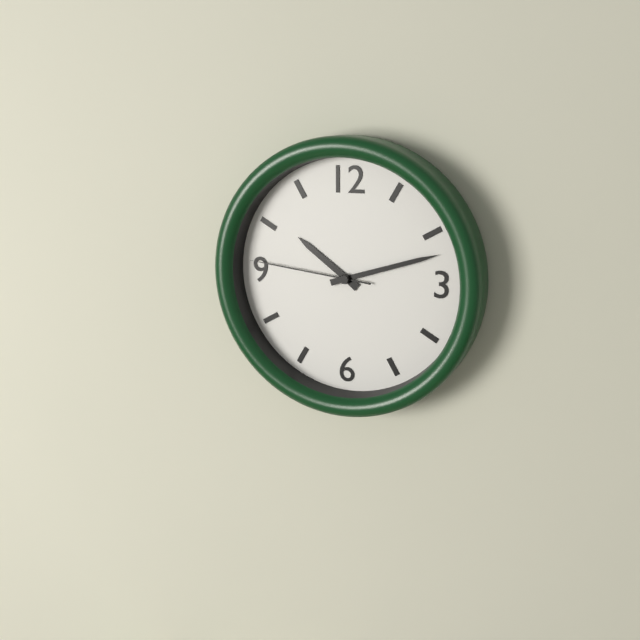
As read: 10:12:46
